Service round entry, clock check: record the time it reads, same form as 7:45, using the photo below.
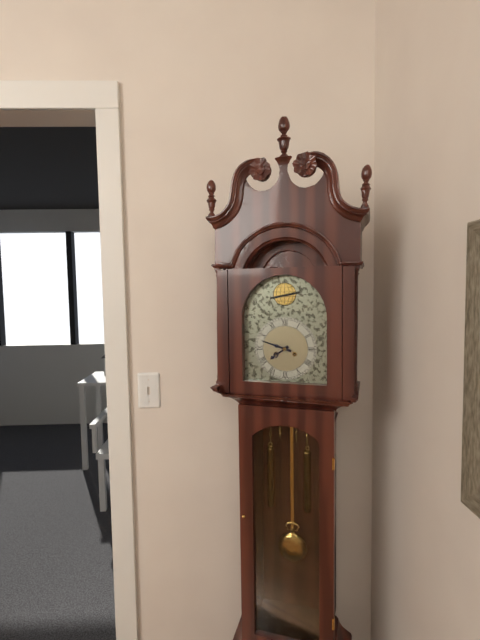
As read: 7:48
